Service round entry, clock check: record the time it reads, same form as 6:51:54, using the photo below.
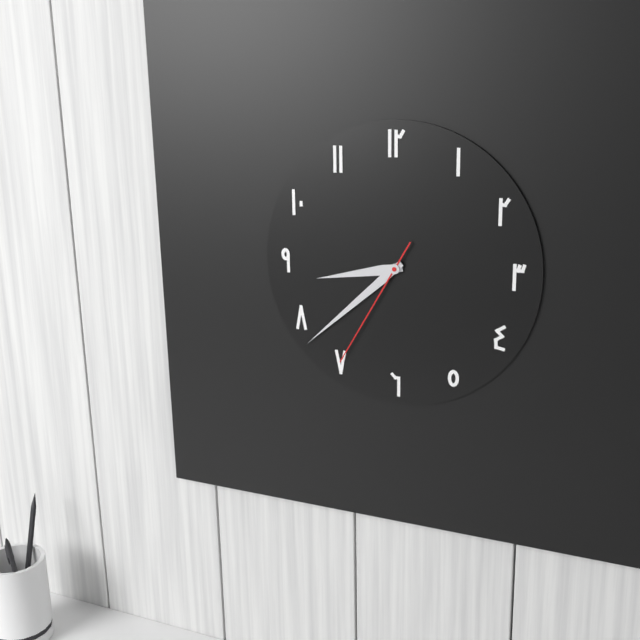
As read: 8:38:35
